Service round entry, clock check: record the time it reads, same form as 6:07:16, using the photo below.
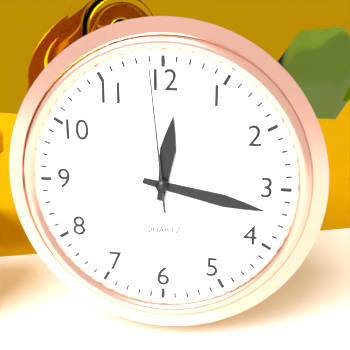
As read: 12:17:59
